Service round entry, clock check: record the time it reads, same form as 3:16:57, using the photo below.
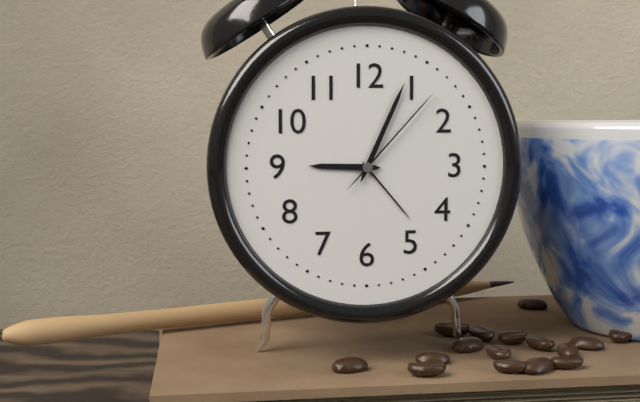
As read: 9:04:07
